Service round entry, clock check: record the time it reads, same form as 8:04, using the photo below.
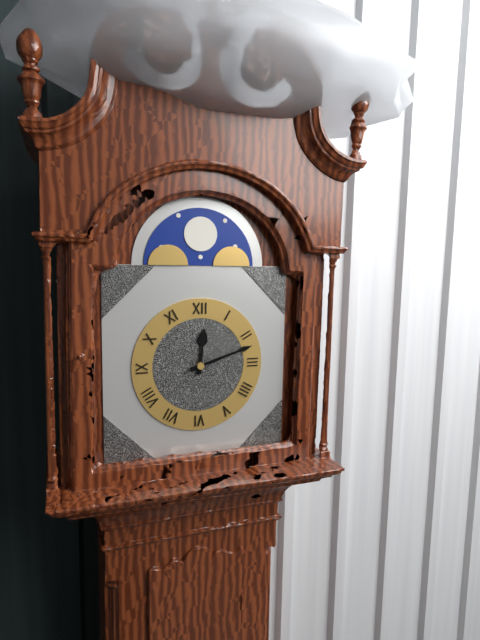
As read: 12:12
